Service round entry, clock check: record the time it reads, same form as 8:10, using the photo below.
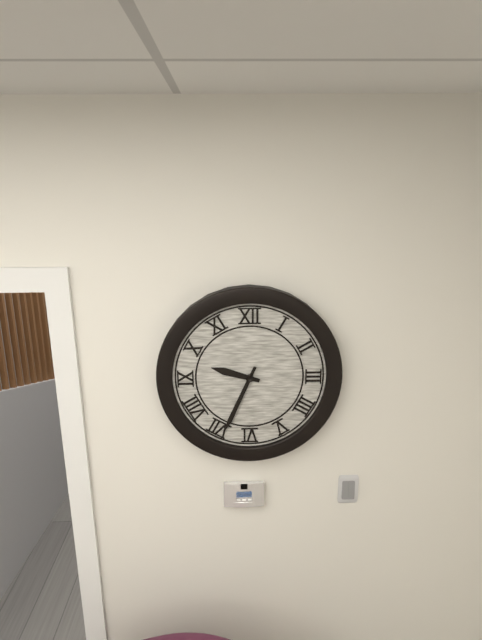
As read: 9:34
